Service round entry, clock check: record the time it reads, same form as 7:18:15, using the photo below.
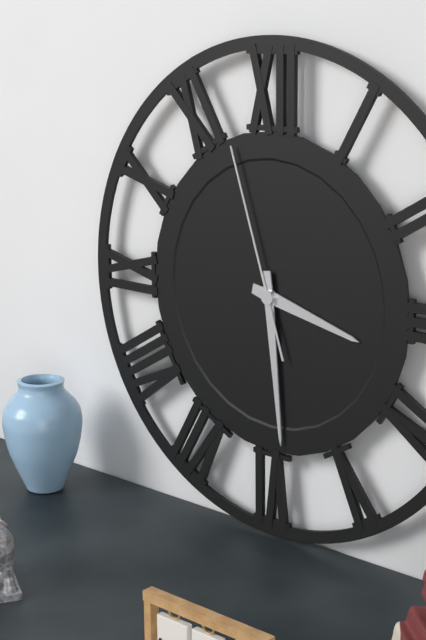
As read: 3:29:57
